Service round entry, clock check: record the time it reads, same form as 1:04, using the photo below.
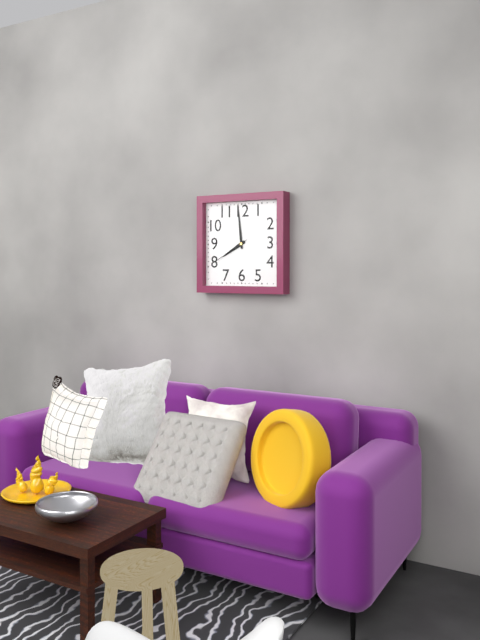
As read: 7:59
